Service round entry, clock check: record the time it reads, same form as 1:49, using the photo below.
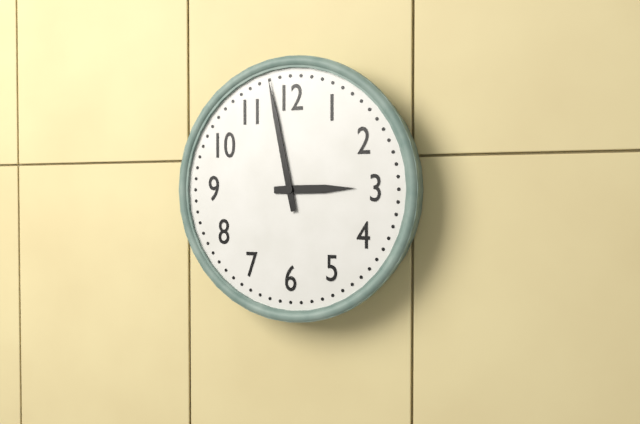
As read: 2:58
